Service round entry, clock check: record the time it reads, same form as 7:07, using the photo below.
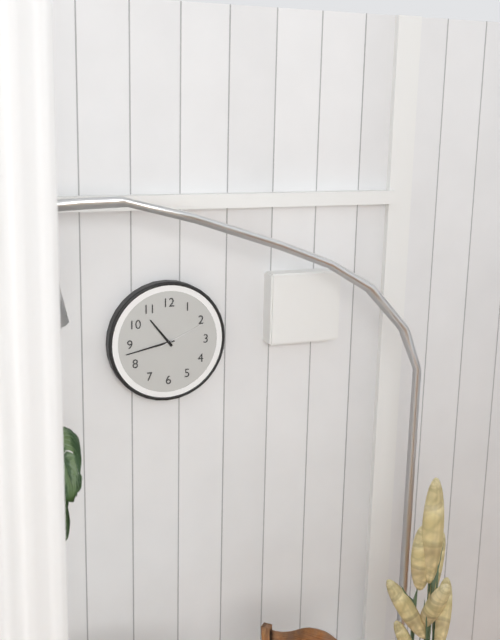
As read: 10:43
